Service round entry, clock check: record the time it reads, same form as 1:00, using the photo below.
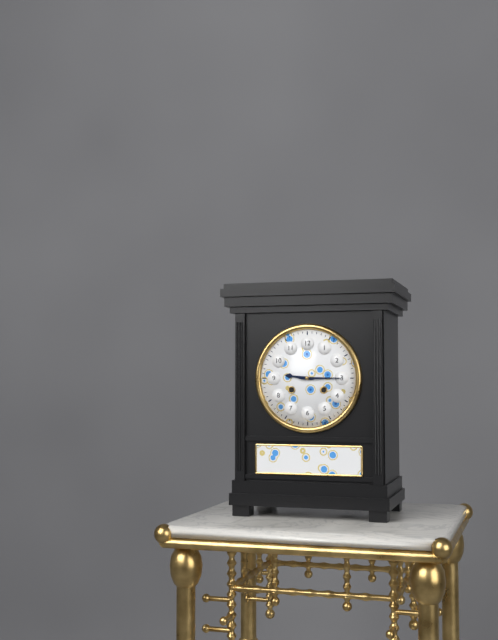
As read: 9:15
